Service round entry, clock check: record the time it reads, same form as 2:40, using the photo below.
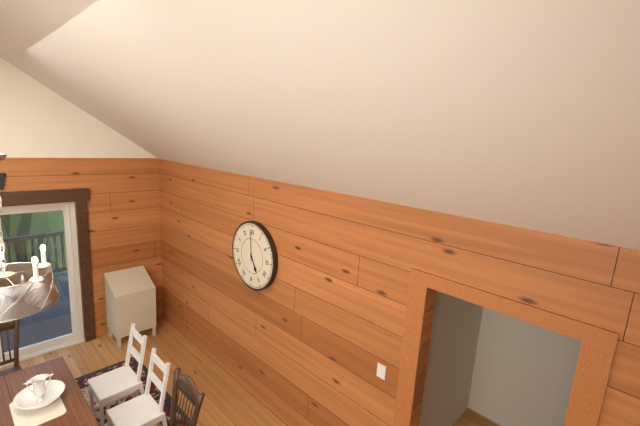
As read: 4:59
